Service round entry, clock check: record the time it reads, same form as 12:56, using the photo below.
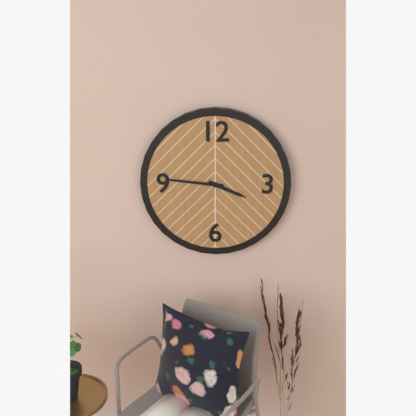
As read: 3:46
